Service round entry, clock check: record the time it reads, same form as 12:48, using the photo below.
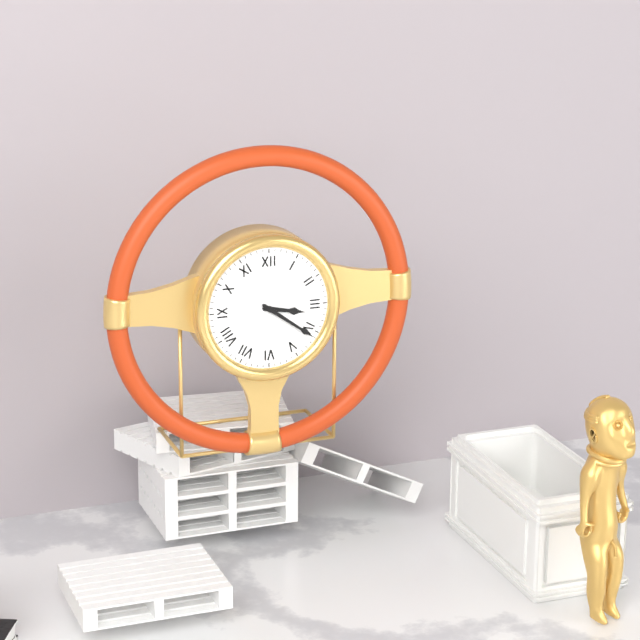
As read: 3:21
